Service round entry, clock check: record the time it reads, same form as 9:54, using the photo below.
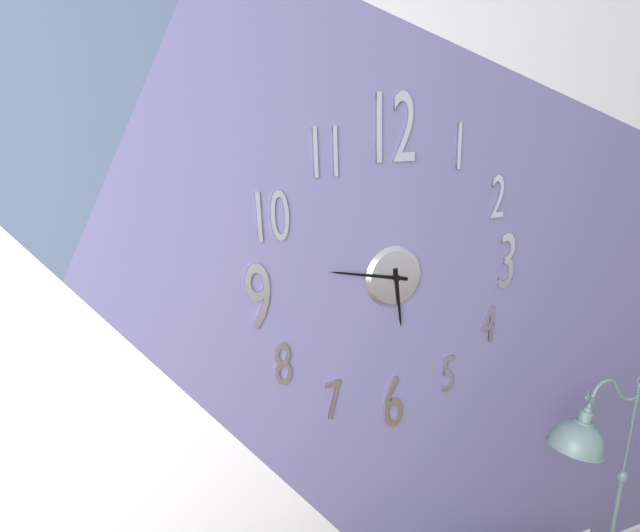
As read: 5:47
